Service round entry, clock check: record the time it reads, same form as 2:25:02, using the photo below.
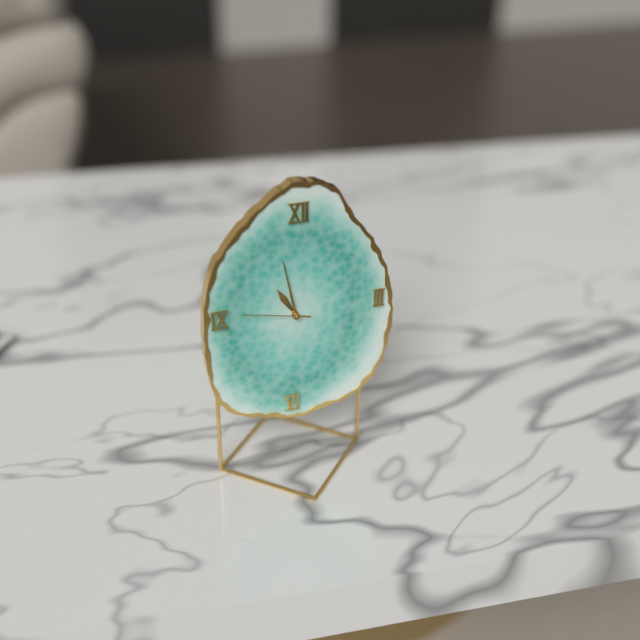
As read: 10:58:47
